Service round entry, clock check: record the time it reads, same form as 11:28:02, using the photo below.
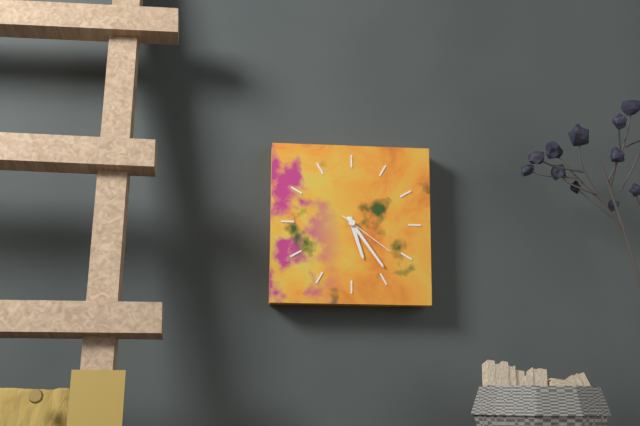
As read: 5:24:21
